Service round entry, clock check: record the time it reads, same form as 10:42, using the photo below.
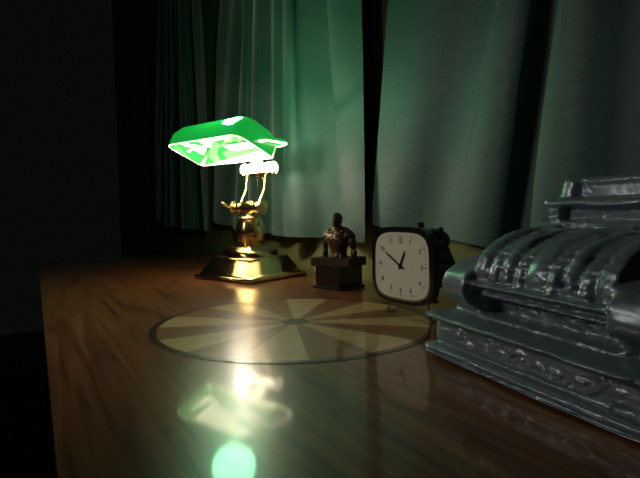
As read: 12:50
